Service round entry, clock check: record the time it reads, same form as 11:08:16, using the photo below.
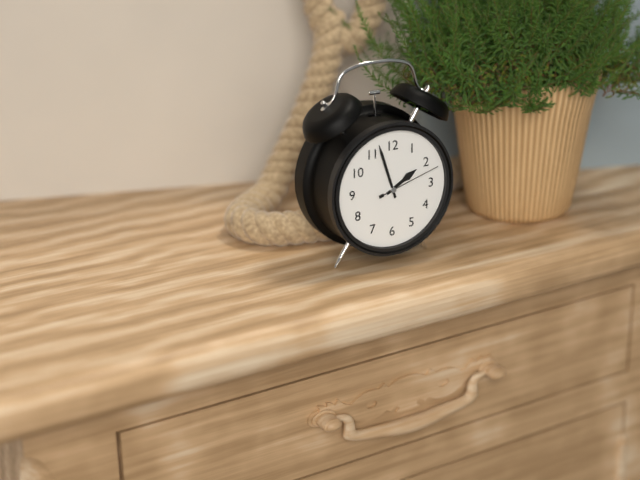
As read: 1:57:12
